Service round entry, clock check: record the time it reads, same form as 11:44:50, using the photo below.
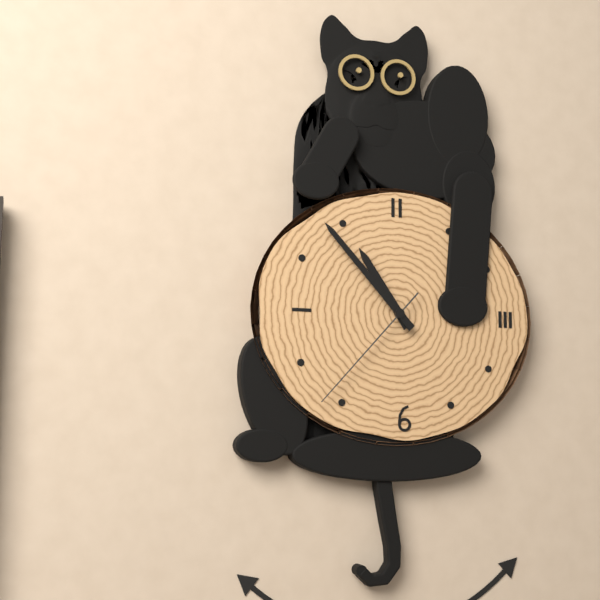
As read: 10:53:37
